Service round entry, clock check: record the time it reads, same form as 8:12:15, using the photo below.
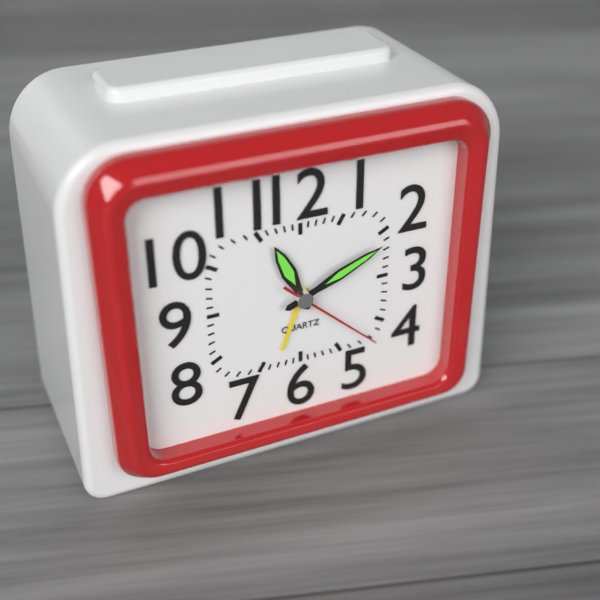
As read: 11:11:22
